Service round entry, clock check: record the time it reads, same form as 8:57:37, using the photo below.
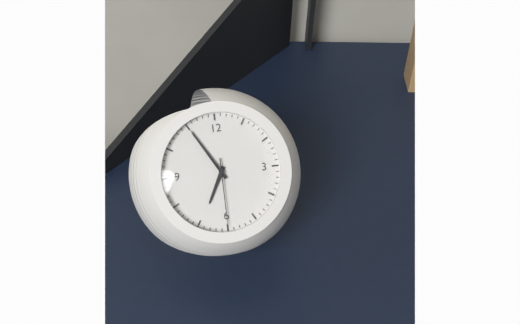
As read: 6:55:30
